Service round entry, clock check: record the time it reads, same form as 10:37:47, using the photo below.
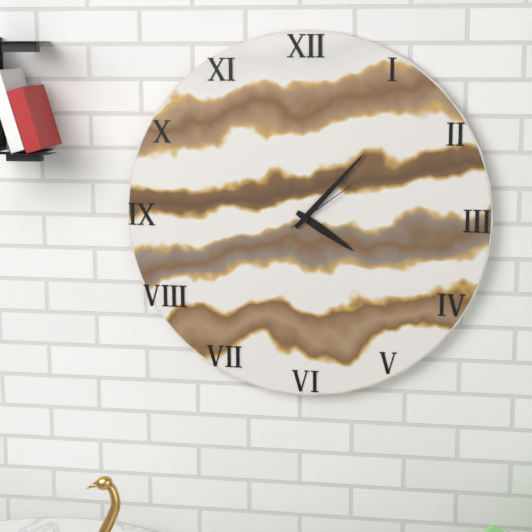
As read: 4:07:09
